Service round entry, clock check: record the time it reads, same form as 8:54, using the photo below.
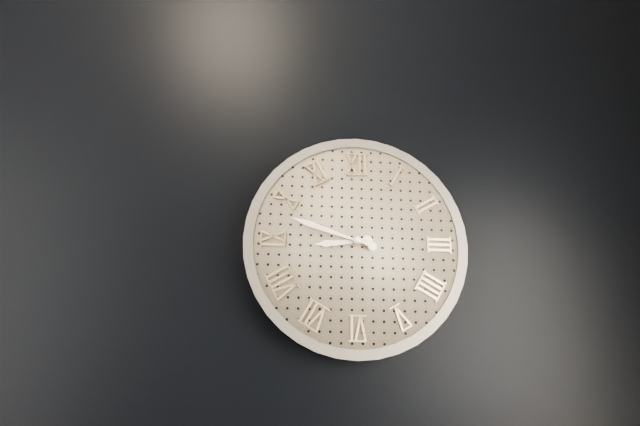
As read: 8:48
